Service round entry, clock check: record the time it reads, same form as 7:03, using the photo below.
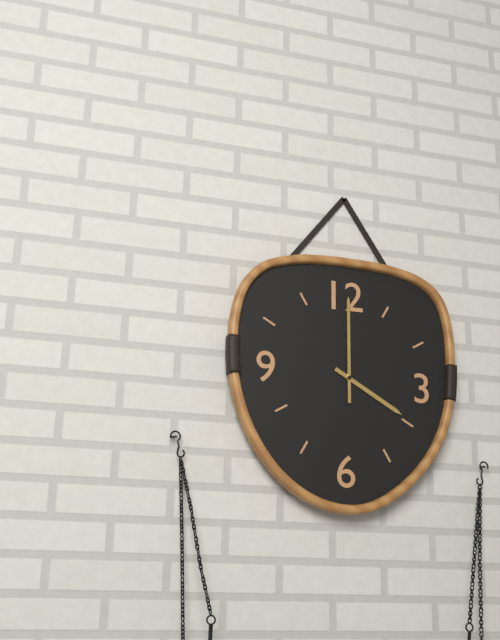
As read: 4:00
